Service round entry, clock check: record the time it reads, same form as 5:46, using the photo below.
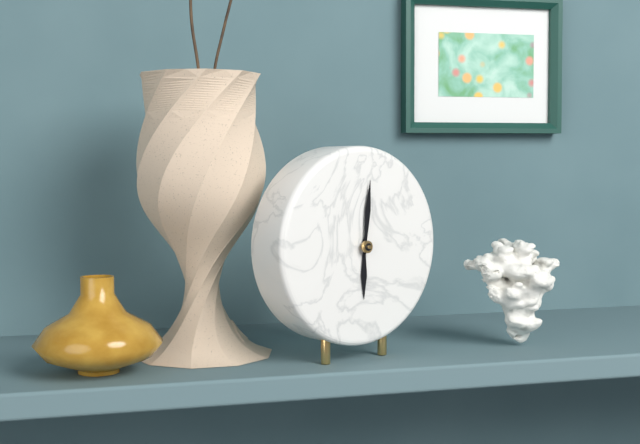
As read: 6:01
